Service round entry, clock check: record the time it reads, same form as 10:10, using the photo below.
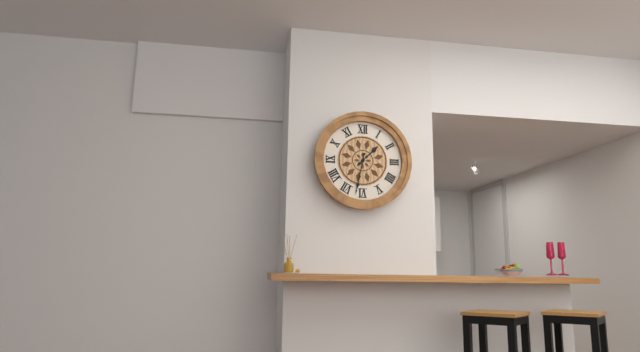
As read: 1:32
